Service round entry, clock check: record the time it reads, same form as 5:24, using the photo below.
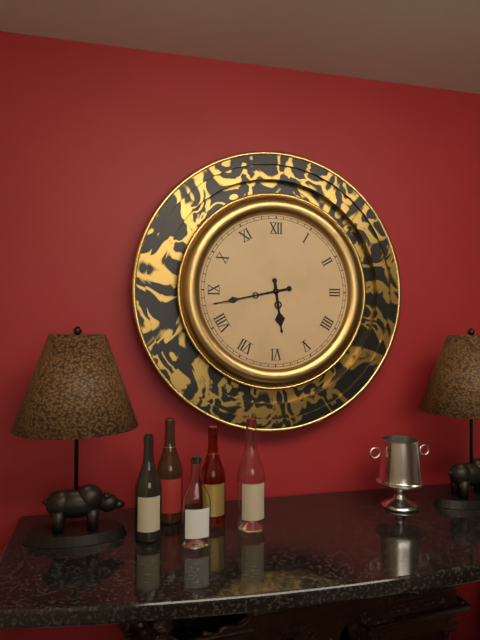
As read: 5:43
